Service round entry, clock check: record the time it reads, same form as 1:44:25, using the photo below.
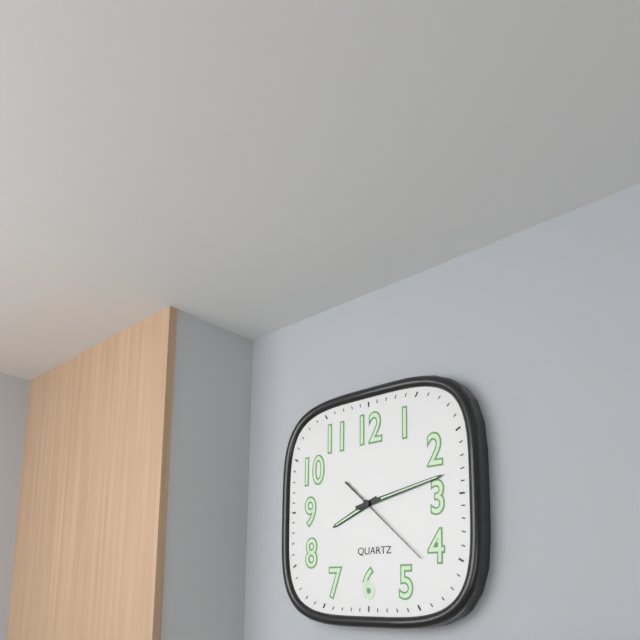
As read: 8:13:22
